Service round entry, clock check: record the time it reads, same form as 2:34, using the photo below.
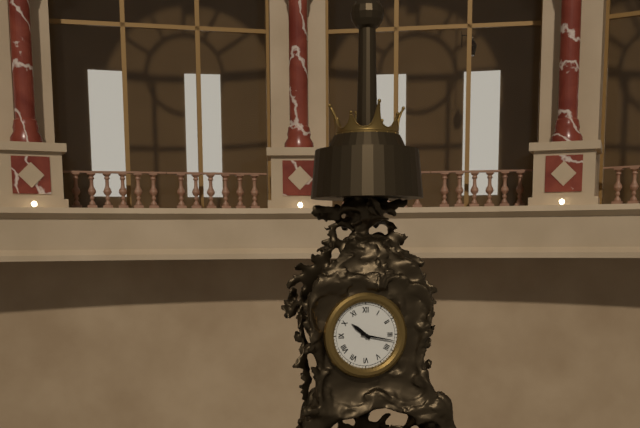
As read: 10:17
